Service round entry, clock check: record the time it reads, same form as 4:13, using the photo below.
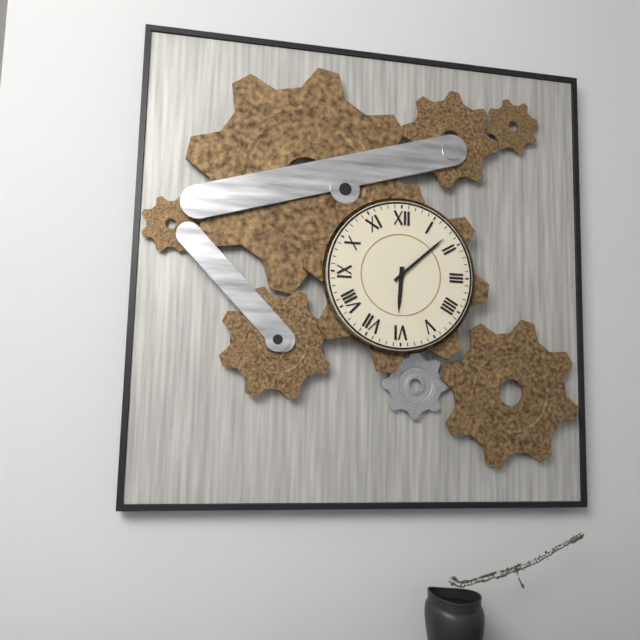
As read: 6:08
